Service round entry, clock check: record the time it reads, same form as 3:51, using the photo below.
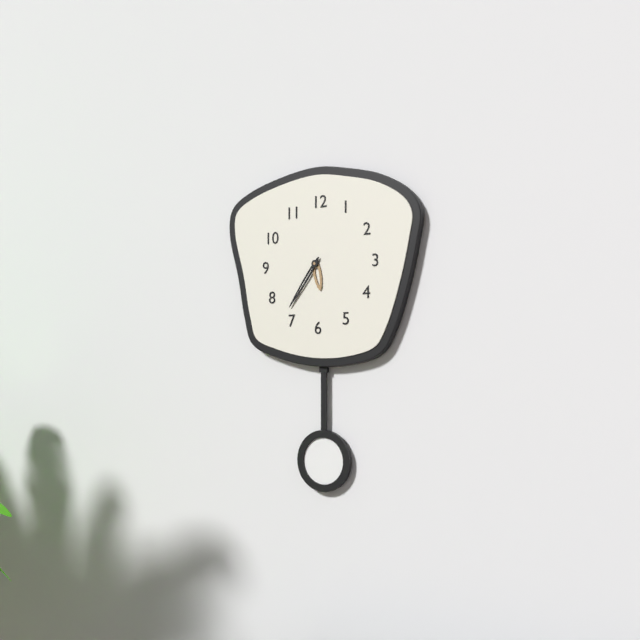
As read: 5:36
